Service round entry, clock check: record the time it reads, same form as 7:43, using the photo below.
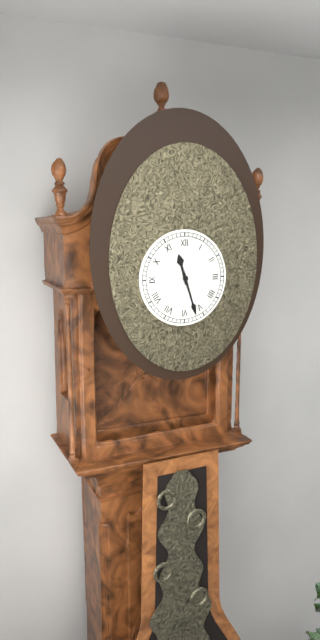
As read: 11:27
